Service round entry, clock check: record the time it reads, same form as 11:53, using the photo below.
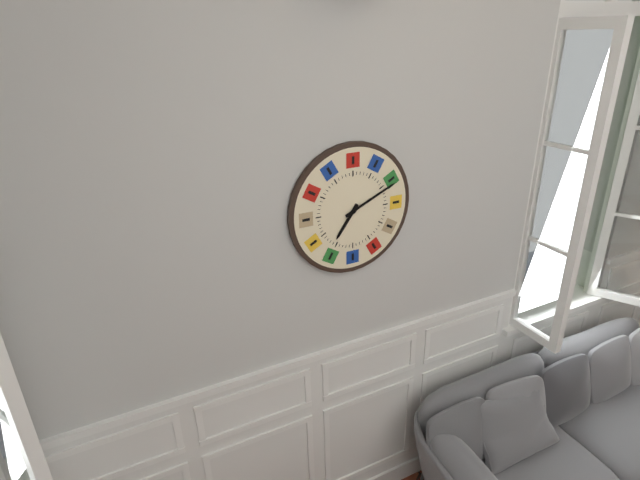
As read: 7:11
